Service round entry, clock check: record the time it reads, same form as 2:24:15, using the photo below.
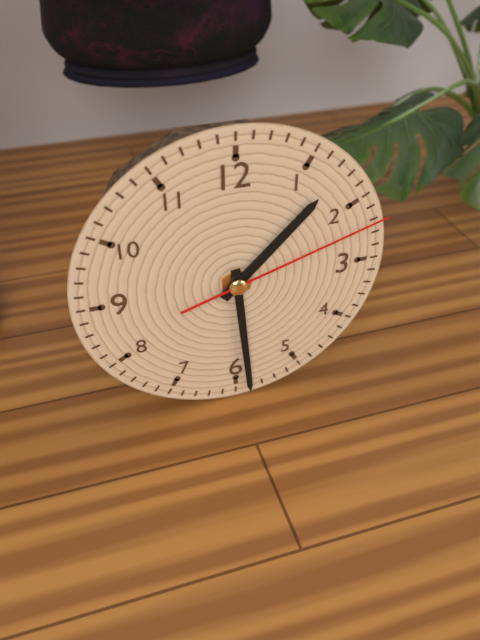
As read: 1:29:12
